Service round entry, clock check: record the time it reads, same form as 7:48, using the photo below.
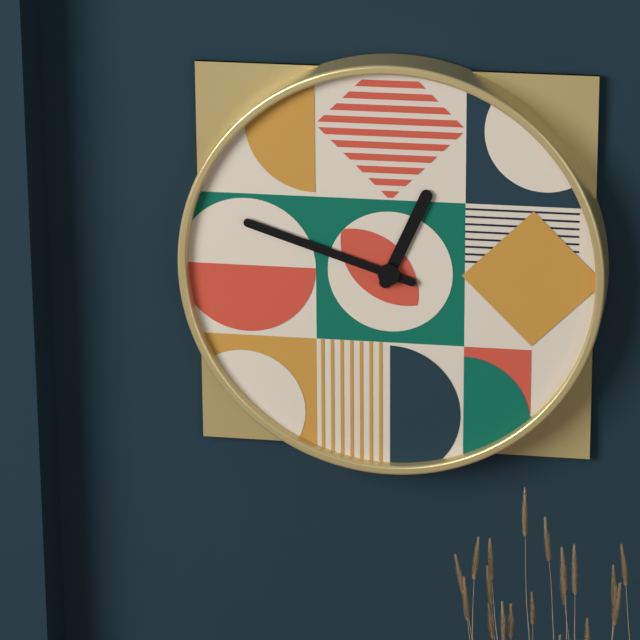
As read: 12:48
